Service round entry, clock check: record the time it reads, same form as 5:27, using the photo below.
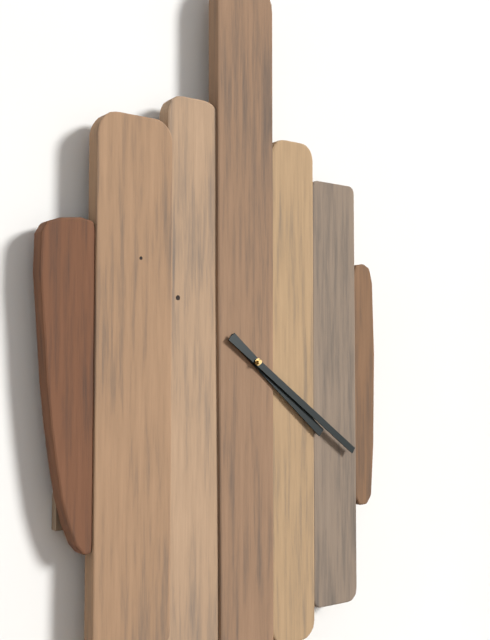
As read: 4:21
